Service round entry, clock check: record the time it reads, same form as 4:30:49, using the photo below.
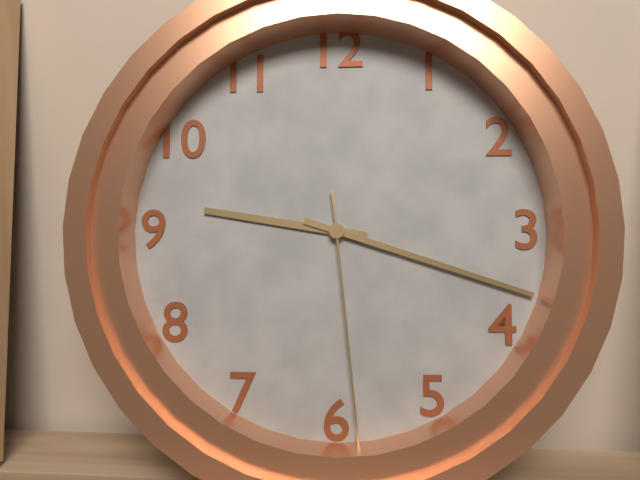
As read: 9:18:29
